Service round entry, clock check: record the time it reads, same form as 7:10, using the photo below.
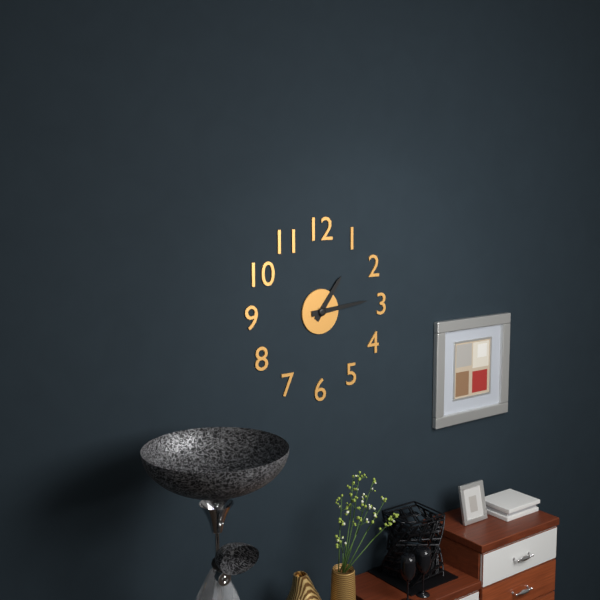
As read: 1:14
